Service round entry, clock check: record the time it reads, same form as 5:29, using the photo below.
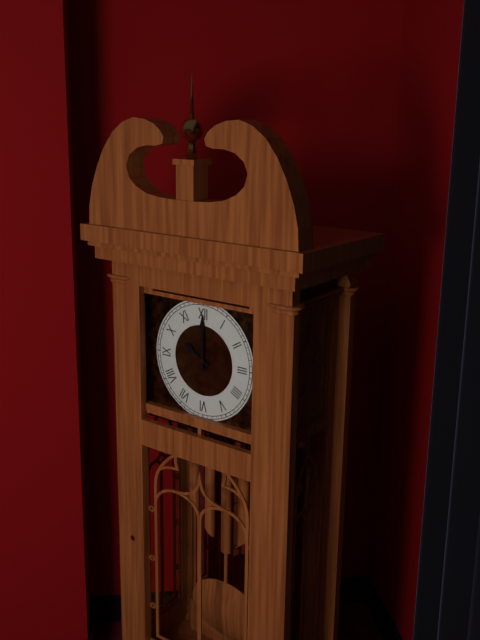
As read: 10:00
